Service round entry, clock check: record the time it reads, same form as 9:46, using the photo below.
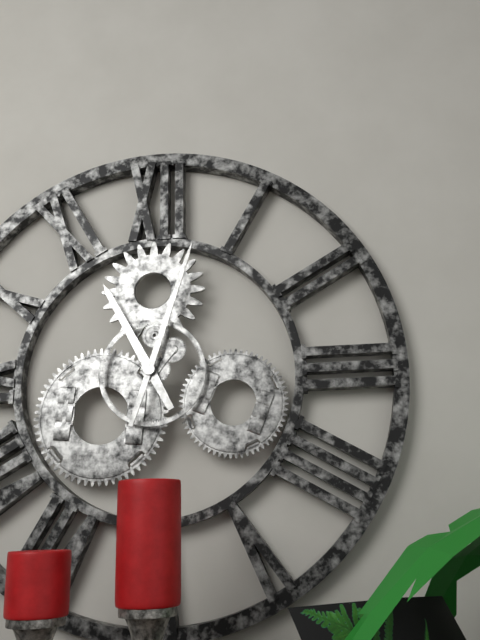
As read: 11:03
